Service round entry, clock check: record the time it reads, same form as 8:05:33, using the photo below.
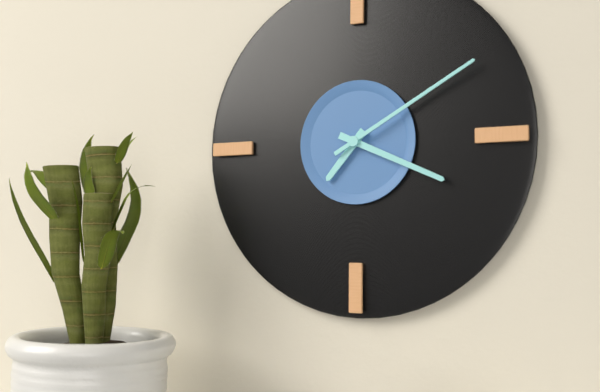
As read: 7:19:10
